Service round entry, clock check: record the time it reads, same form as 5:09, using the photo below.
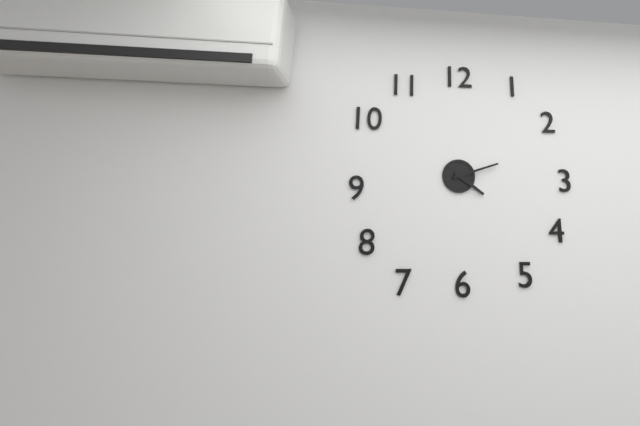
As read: 4:12
